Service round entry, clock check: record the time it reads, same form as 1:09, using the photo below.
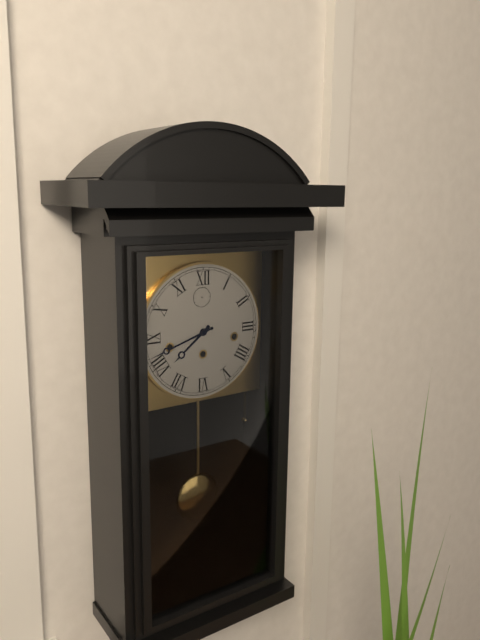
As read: 7:42
